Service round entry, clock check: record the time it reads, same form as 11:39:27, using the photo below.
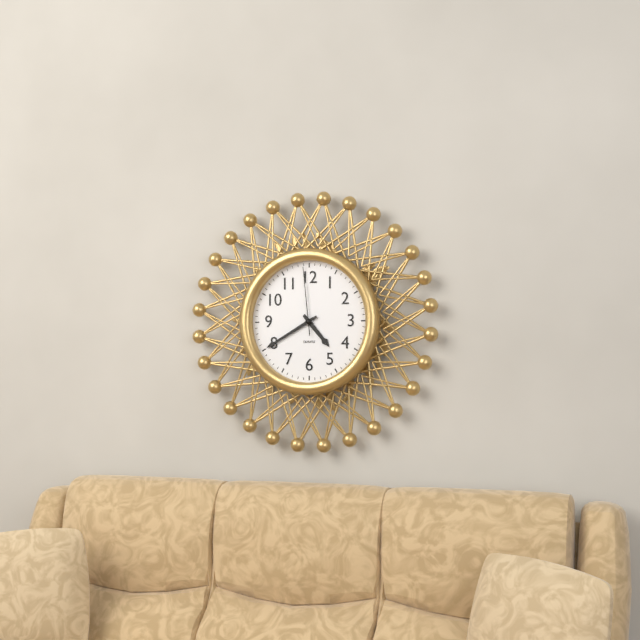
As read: 4:40:59
